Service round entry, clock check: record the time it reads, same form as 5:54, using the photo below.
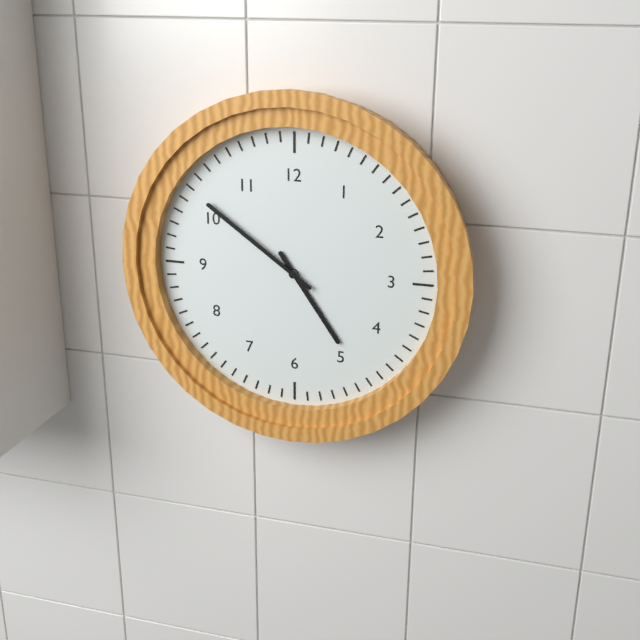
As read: 4:51
